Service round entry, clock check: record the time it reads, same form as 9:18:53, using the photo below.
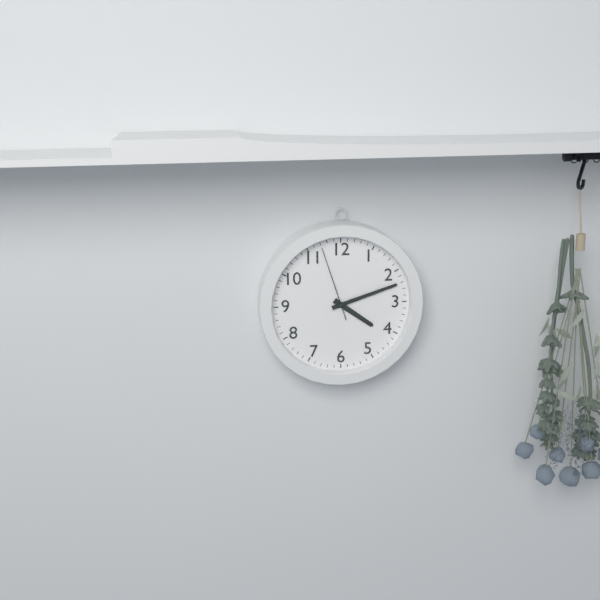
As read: 4:12:57
